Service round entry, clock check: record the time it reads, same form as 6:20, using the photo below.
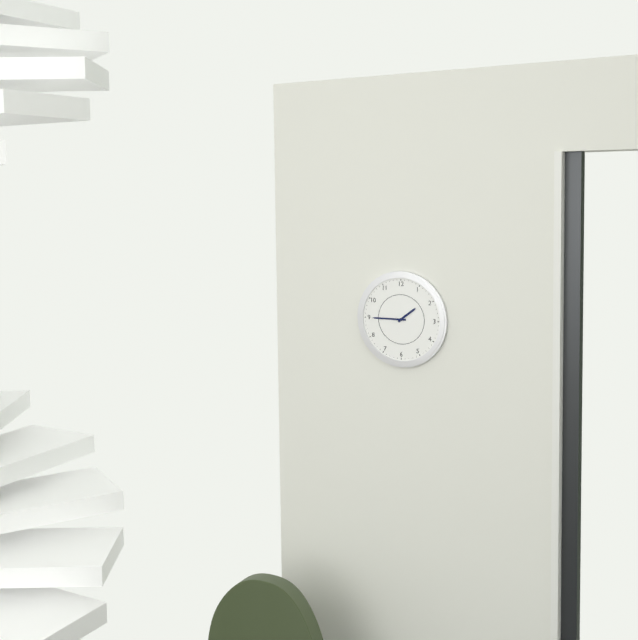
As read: 1:45
